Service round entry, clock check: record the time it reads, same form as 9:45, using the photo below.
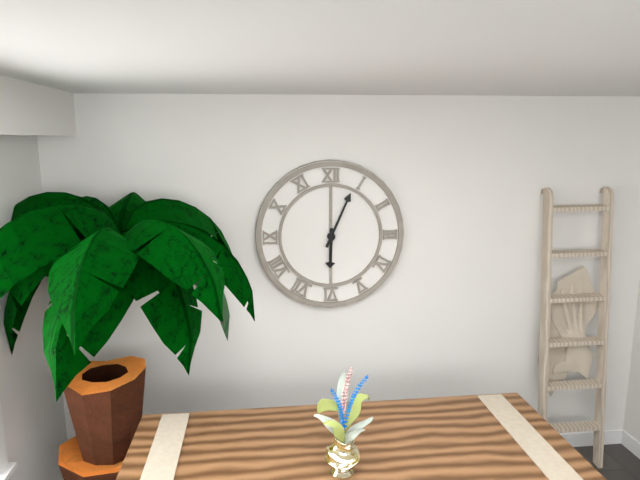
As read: 6:04
